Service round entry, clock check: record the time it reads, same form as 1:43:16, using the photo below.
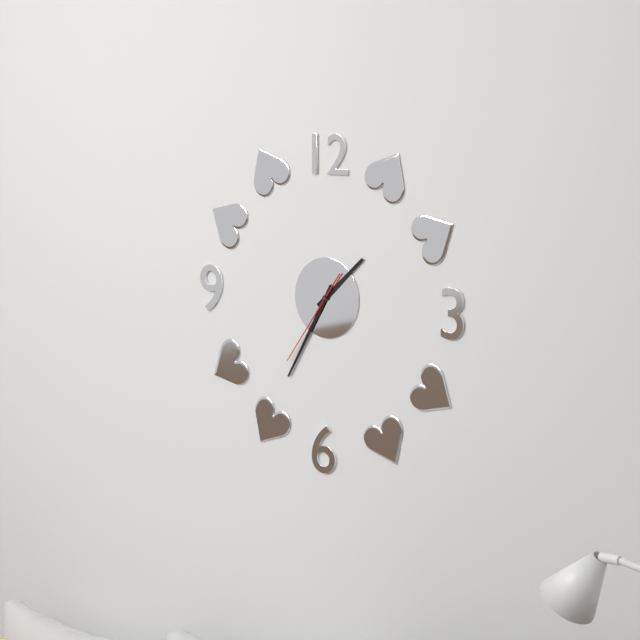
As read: 1:35:36
